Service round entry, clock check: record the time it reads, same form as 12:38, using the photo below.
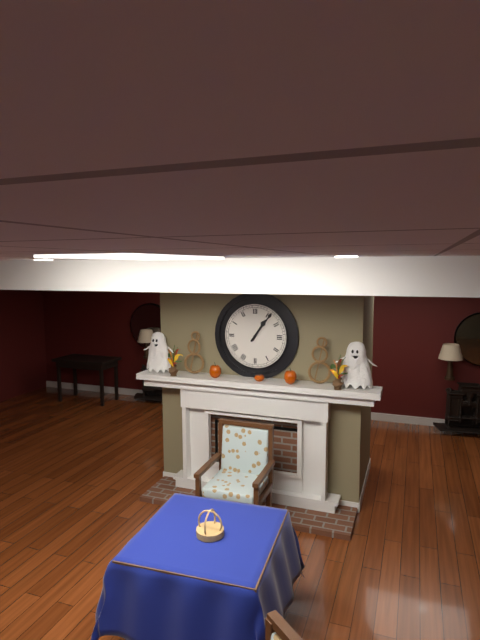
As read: 1:06
